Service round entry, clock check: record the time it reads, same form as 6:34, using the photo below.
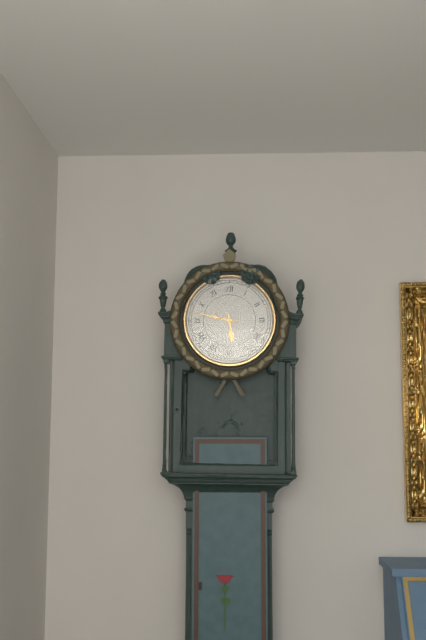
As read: 5:47
